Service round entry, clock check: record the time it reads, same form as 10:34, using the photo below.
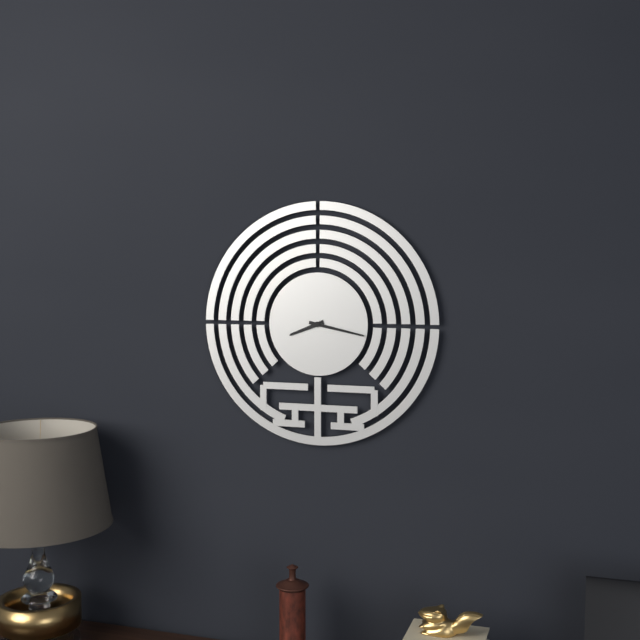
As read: 8:17
